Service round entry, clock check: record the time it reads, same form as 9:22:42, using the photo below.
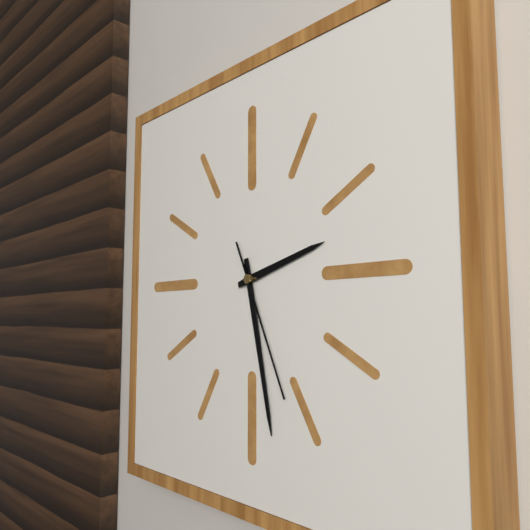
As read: 2:28:26
